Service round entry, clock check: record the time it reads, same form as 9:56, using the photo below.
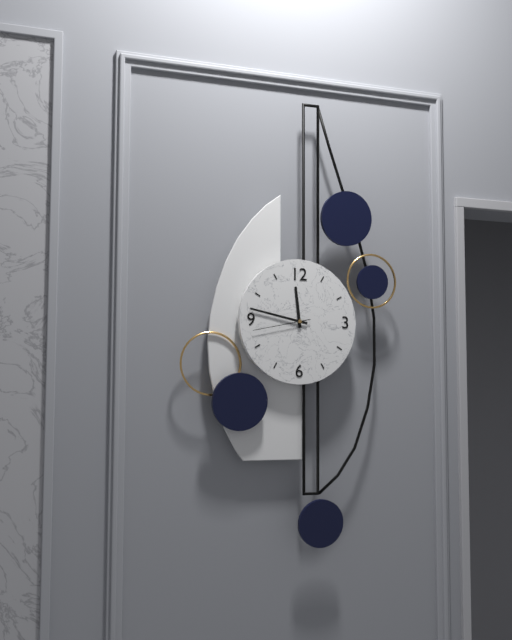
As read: 11:47
